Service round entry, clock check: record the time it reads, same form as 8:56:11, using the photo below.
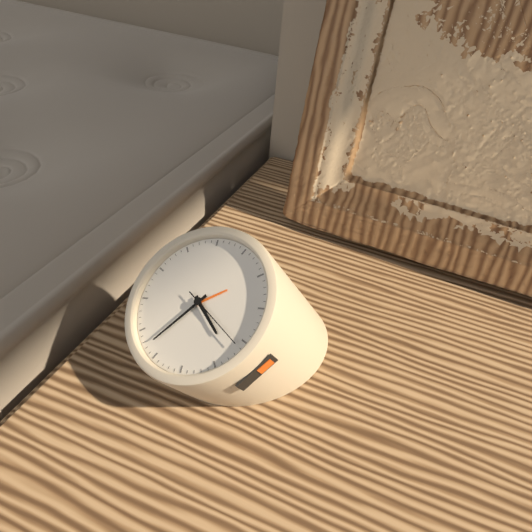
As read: 3:32:16
